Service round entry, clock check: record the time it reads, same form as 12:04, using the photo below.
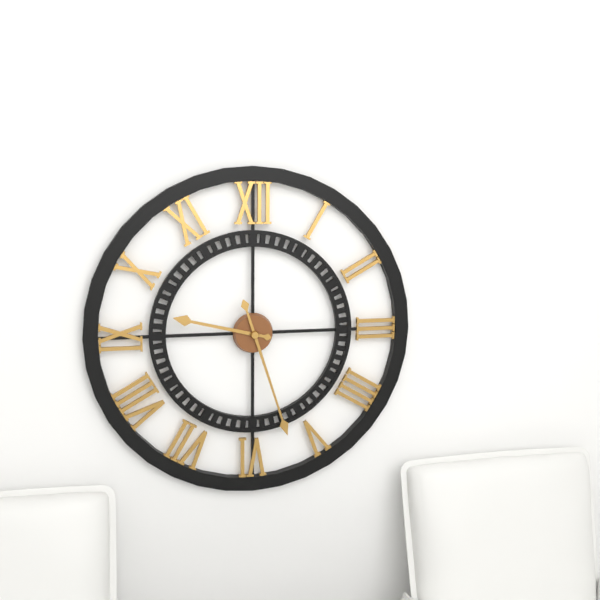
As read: 9:27
